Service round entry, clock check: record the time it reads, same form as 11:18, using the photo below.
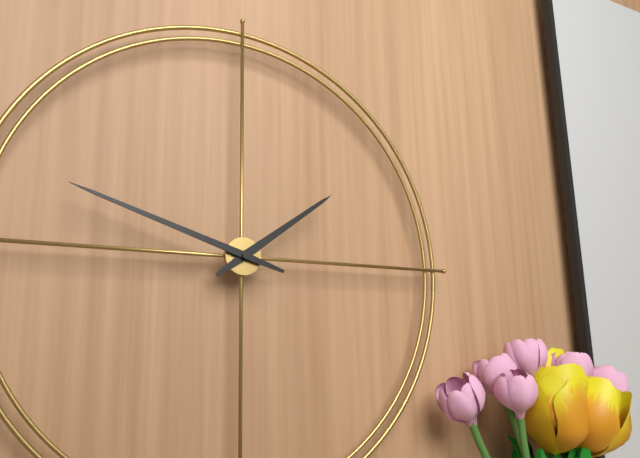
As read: 1:48
